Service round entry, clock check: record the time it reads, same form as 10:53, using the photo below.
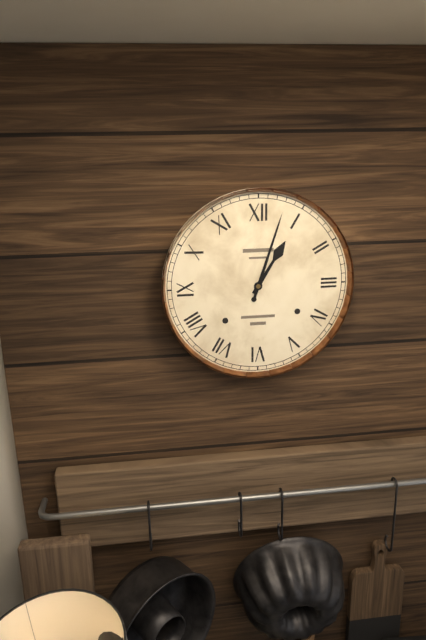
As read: 1:03
